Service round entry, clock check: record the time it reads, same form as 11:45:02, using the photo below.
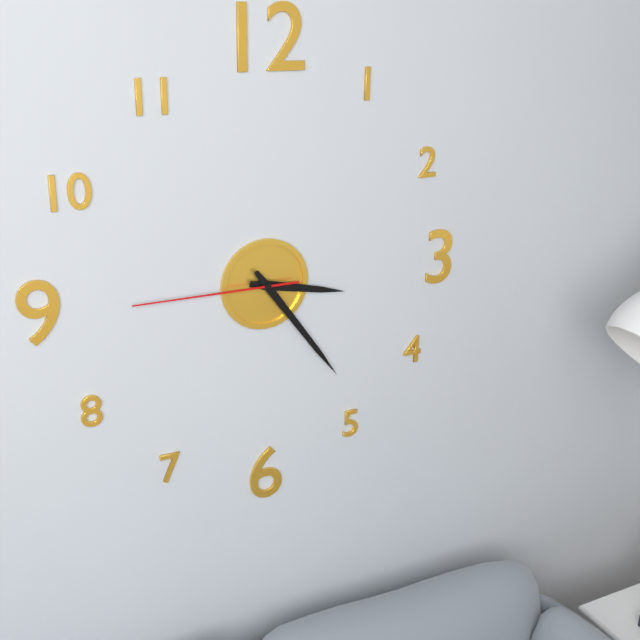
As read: 3:24:45
